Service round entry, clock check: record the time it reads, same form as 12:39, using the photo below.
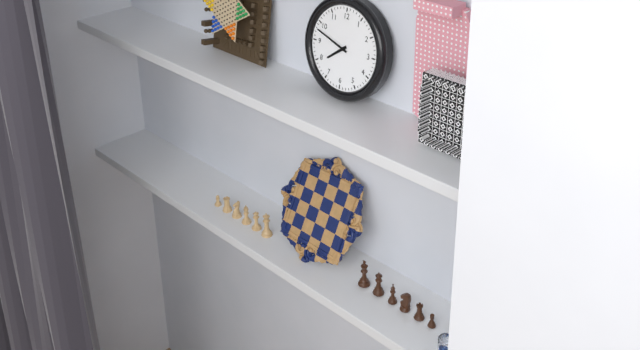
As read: 7:48
